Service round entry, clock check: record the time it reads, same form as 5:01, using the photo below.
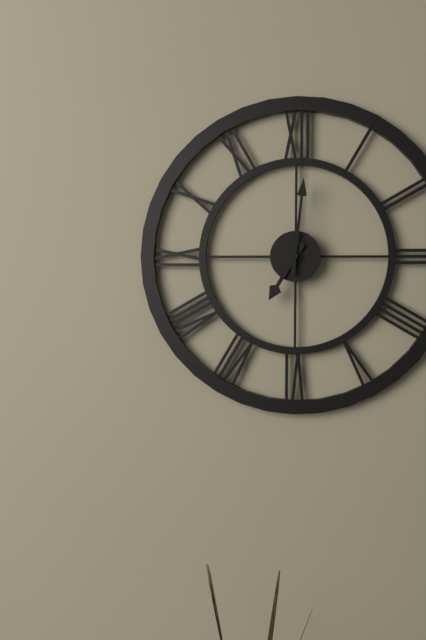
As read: 7:01
